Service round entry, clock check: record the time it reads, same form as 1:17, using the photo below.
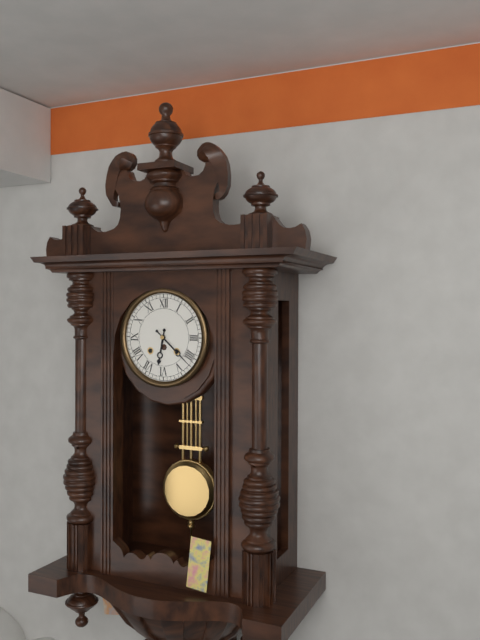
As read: 6:22
